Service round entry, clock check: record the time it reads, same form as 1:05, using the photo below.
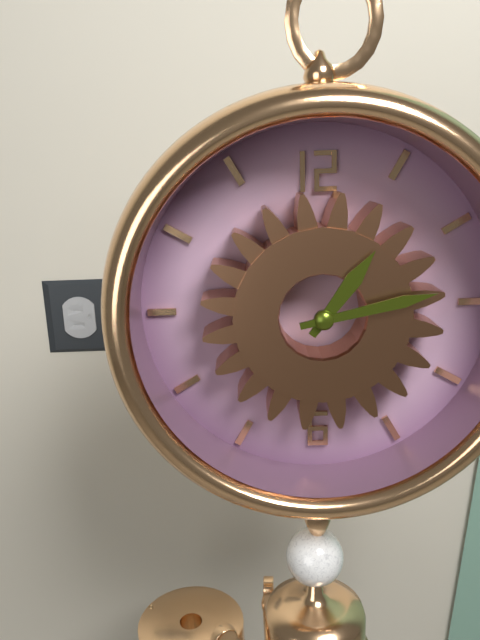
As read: 1:13
